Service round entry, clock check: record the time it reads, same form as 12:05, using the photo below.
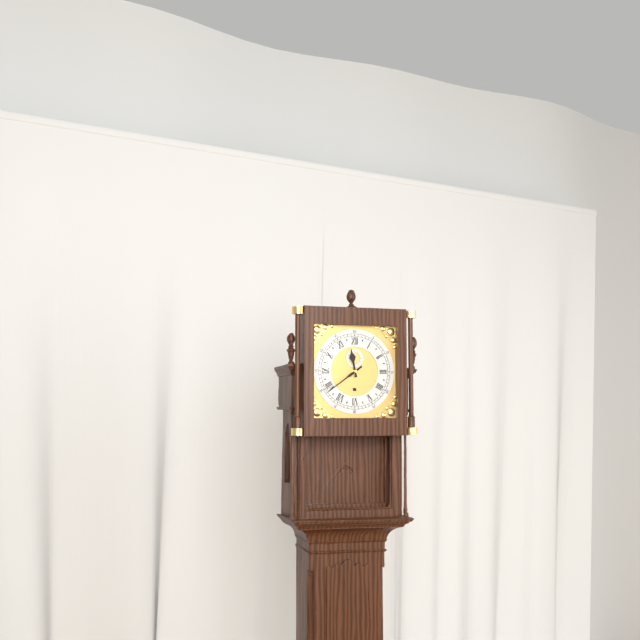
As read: 11:39
